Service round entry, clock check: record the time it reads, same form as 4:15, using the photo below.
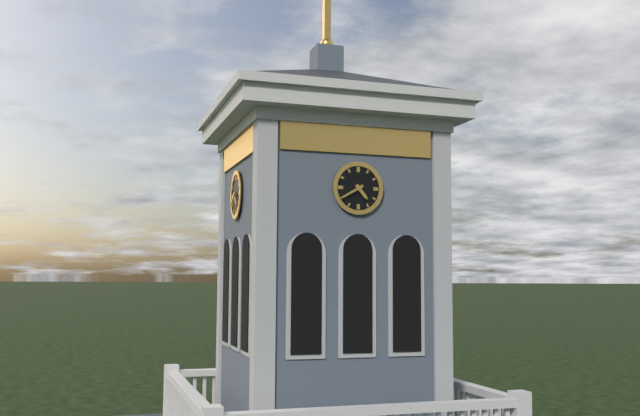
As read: 4:40
